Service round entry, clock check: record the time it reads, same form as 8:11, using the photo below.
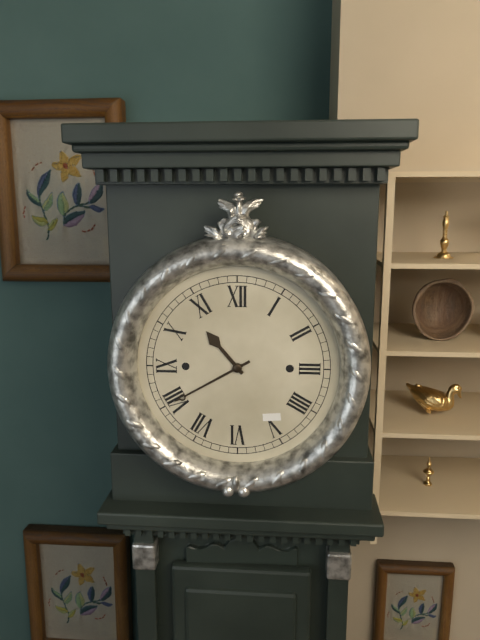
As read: 10:40
